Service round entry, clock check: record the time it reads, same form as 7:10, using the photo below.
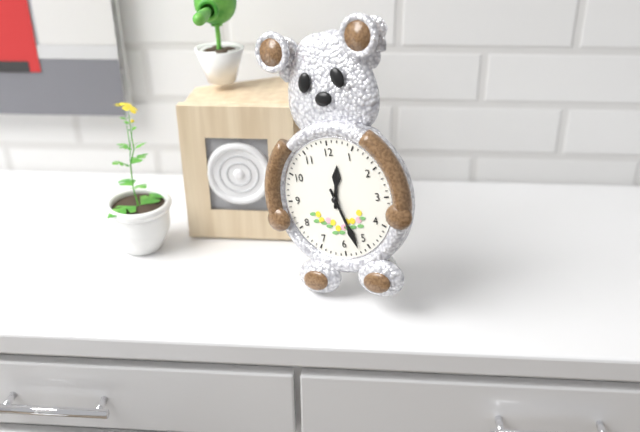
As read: 12:27
